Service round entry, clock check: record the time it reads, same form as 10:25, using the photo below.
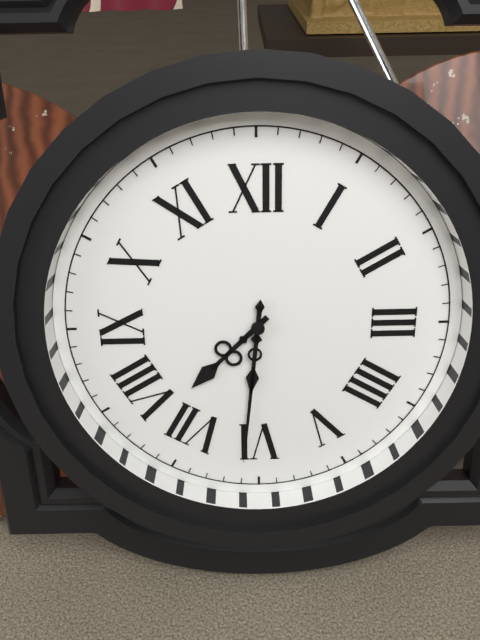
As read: 7:31
